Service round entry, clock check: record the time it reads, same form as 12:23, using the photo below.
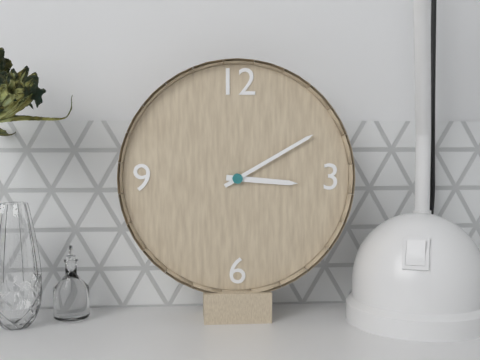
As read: 3:10
